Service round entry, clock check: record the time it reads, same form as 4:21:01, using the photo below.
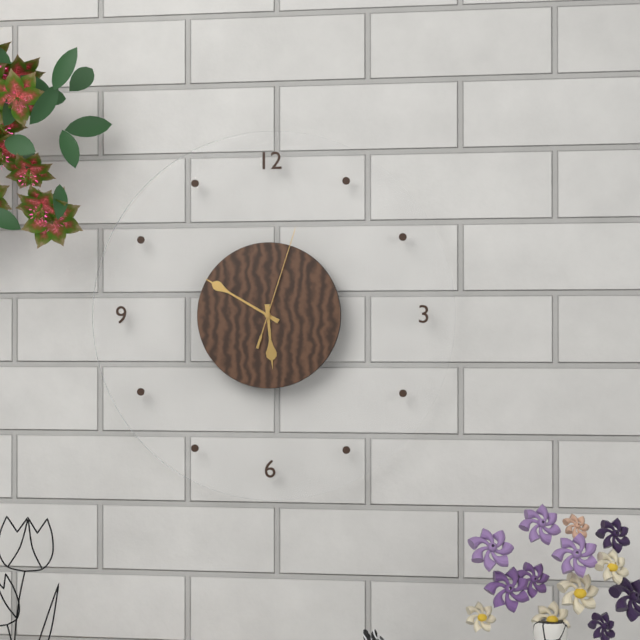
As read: 5:50:03
